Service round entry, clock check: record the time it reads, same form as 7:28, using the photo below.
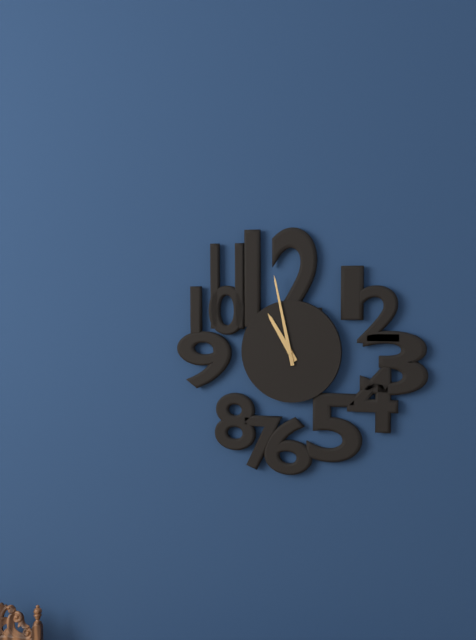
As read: 10:58
